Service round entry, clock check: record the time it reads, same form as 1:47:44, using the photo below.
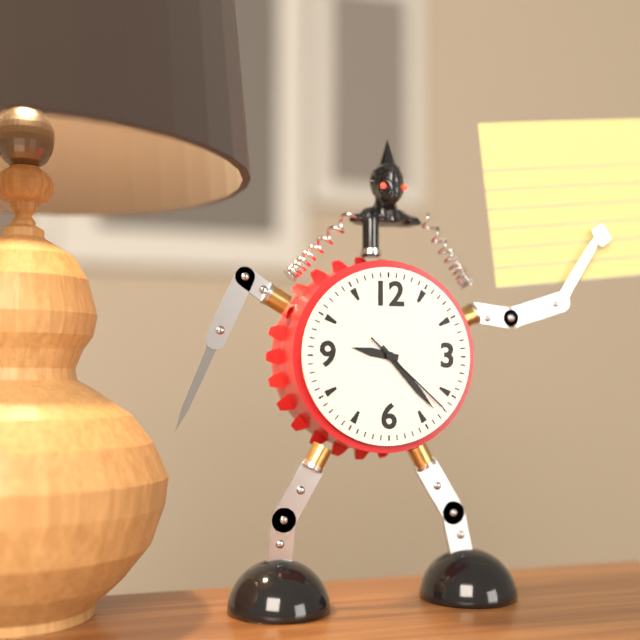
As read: 9:23:22
